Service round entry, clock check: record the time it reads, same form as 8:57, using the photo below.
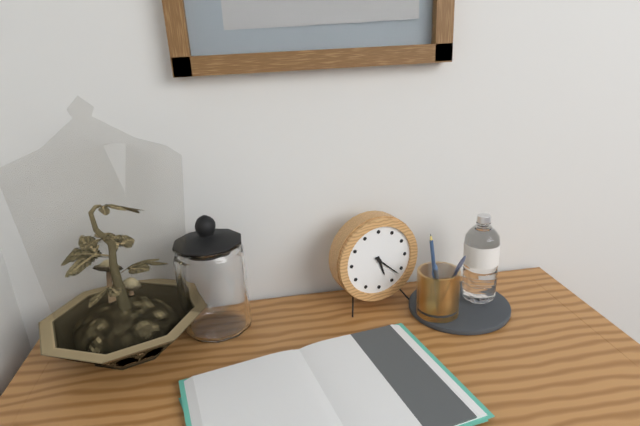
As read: 5:22
